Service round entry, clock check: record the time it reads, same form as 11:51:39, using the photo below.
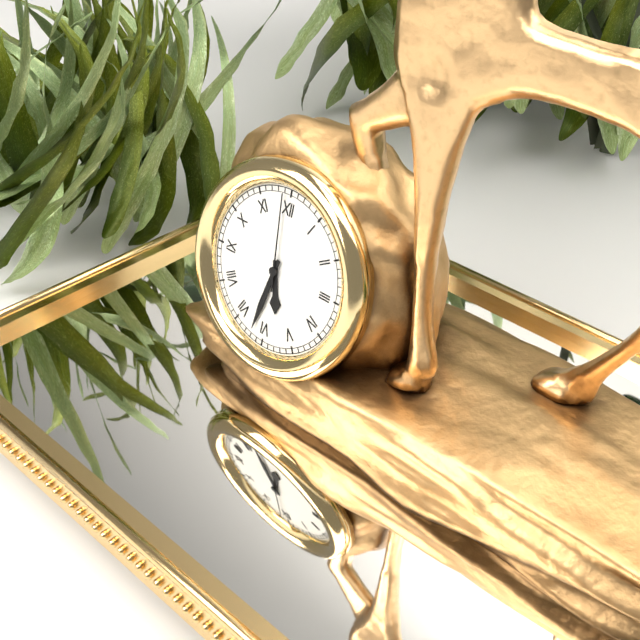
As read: 5:32:59
